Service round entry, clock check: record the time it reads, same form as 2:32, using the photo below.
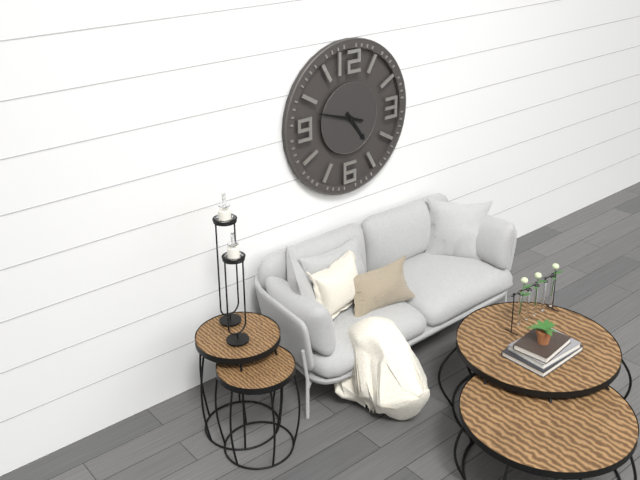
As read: 4:48
